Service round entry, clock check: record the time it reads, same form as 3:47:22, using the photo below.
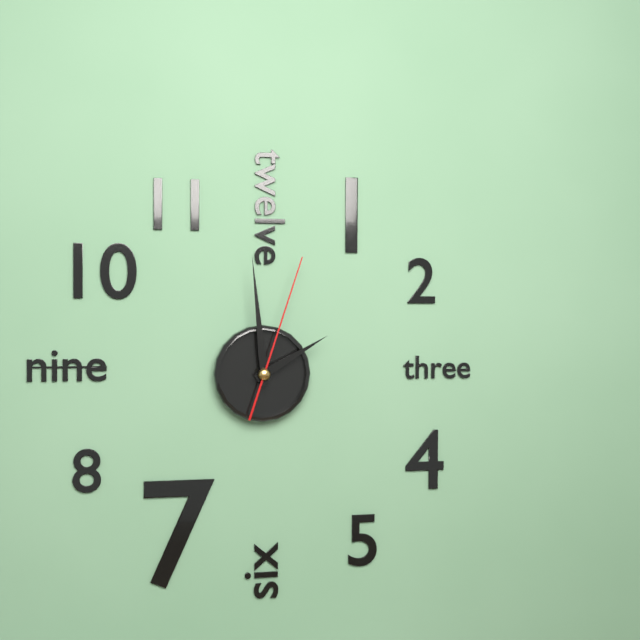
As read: 1:59:03
